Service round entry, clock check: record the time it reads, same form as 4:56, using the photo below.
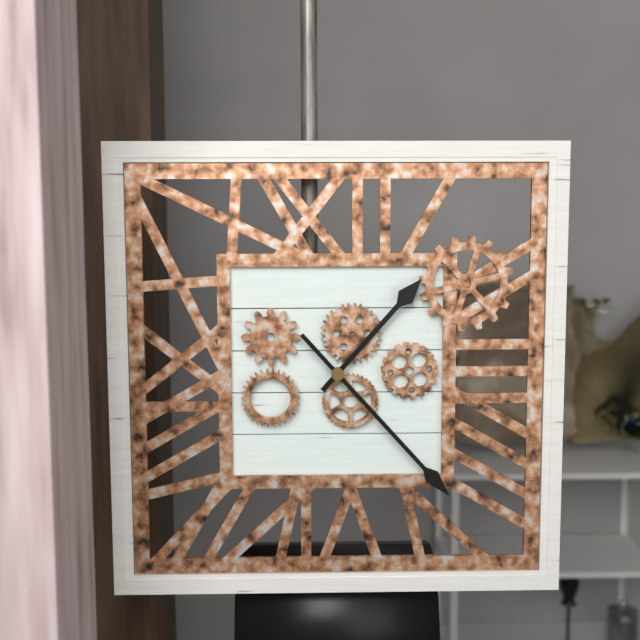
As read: 1:23
